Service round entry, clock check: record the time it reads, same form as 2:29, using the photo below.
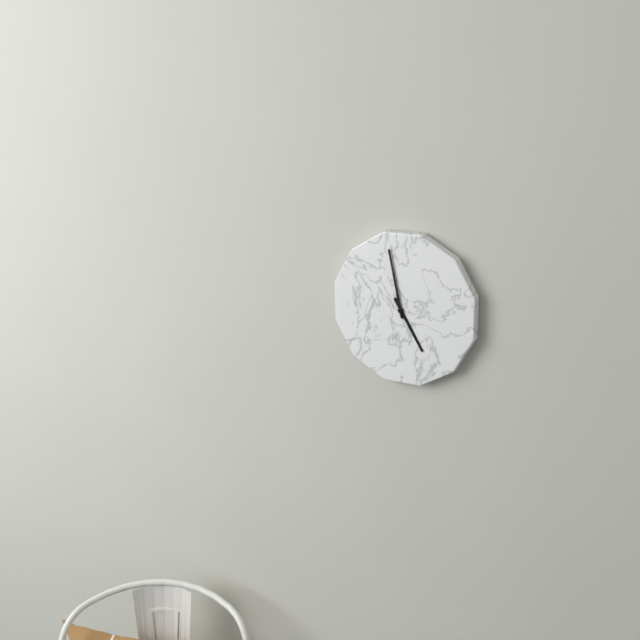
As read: 4:58
